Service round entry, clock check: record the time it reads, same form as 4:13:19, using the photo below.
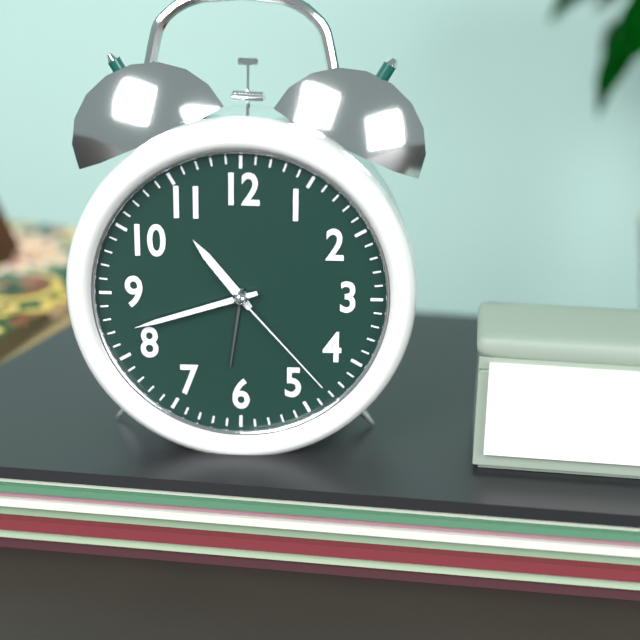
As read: 10:42:23
